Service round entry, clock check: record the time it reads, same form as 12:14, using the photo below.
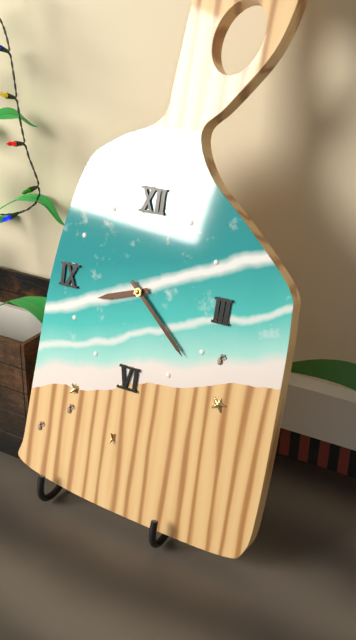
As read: 8:22
